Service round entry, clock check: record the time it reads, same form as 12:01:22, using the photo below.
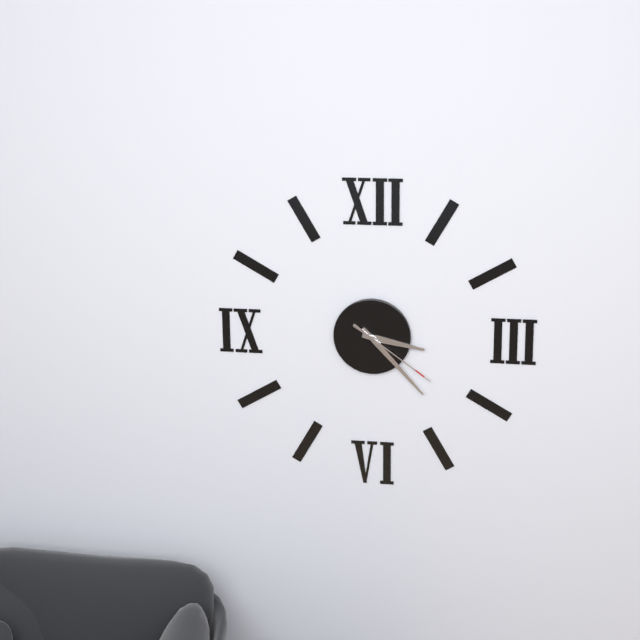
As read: 3:23:21
